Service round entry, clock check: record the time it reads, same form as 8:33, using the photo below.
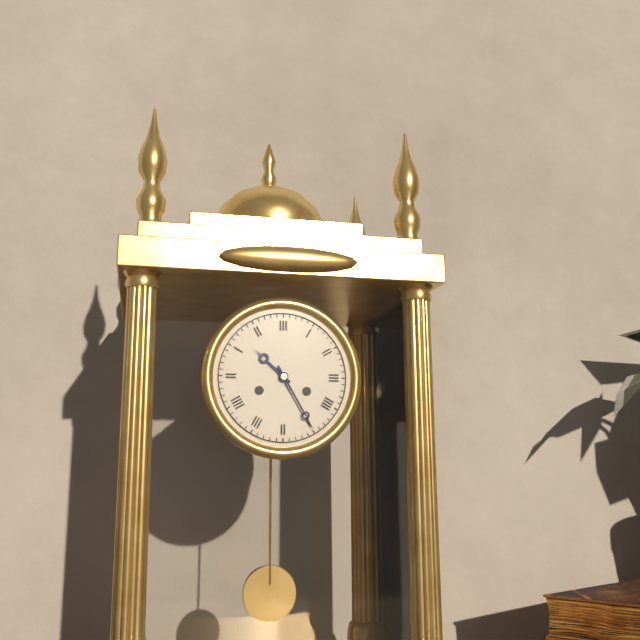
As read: 10:25
